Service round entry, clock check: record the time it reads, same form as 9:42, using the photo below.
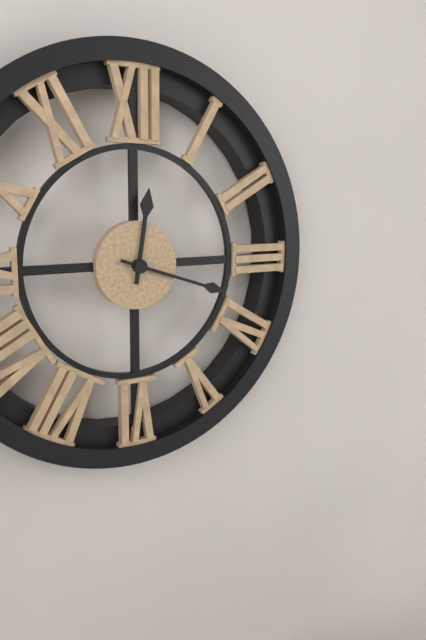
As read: 12:18
